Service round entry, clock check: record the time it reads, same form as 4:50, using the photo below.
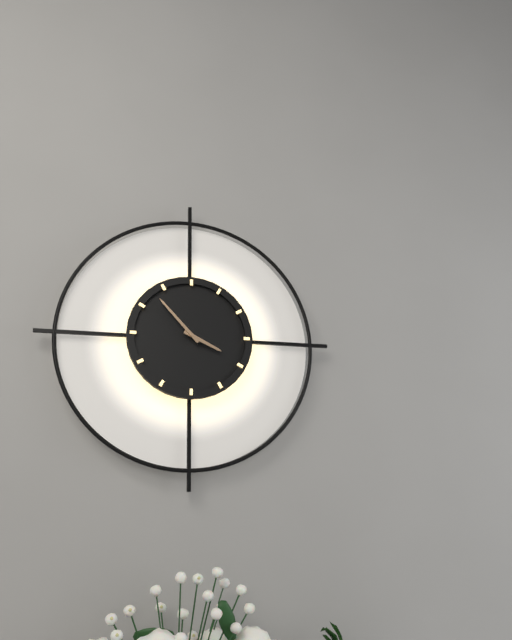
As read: 3:53
